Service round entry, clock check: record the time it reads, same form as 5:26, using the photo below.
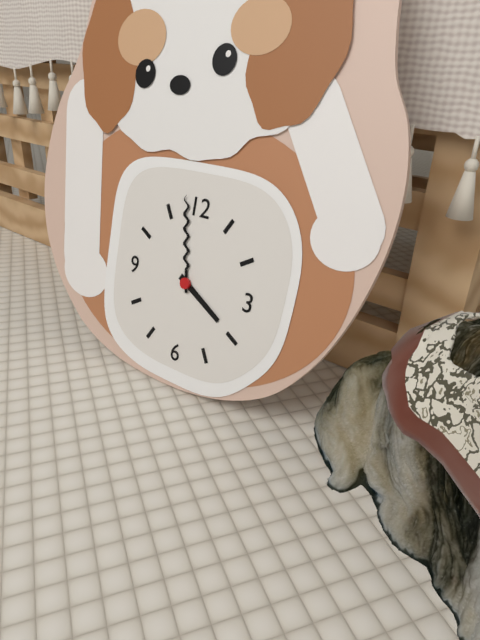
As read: 3:58
